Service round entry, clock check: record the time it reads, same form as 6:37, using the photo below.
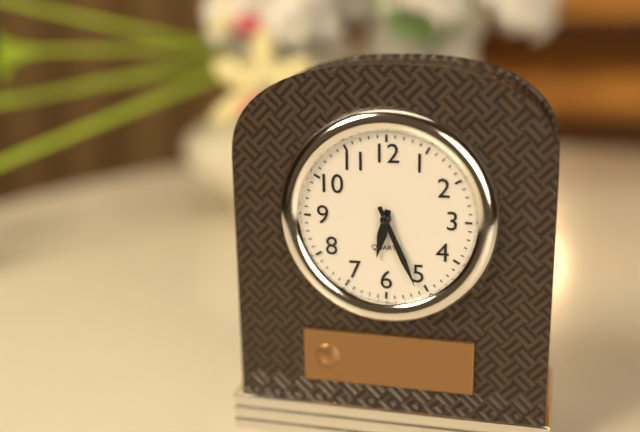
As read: 6:26
